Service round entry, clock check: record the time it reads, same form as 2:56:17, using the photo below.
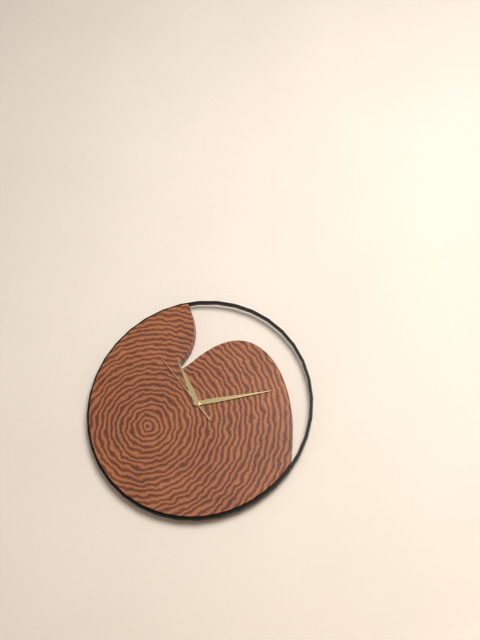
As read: 11:14:54
